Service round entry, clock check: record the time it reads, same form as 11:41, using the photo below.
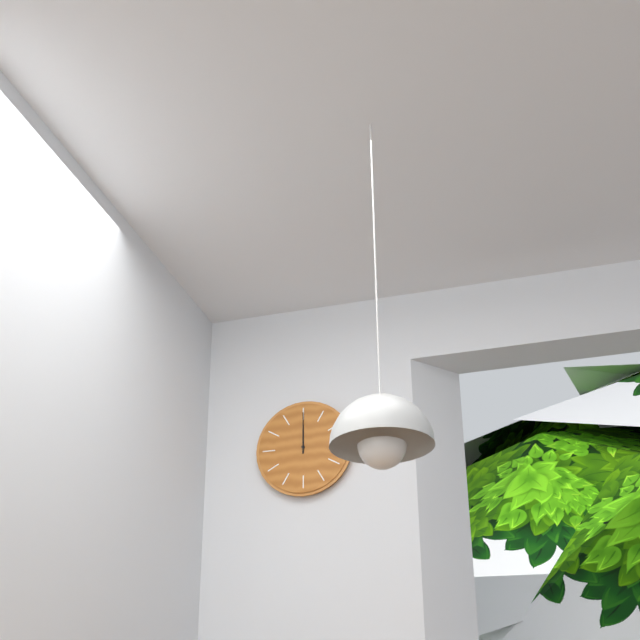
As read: 12:00
